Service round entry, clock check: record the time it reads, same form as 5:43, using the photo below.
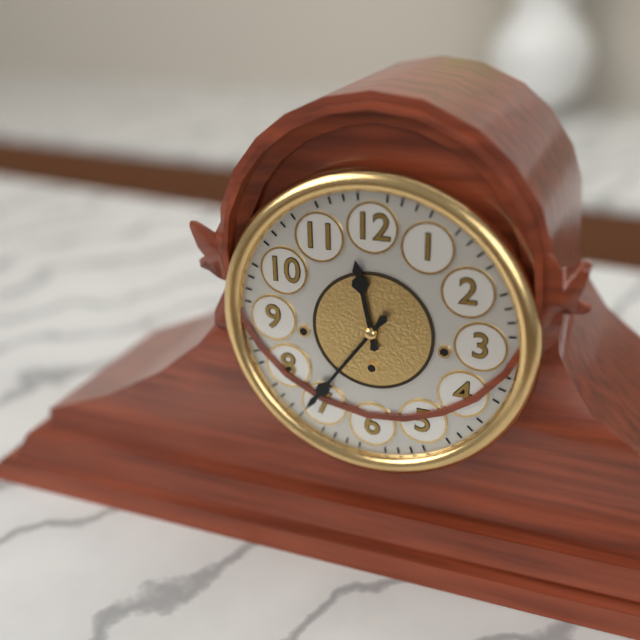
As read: 11:36
